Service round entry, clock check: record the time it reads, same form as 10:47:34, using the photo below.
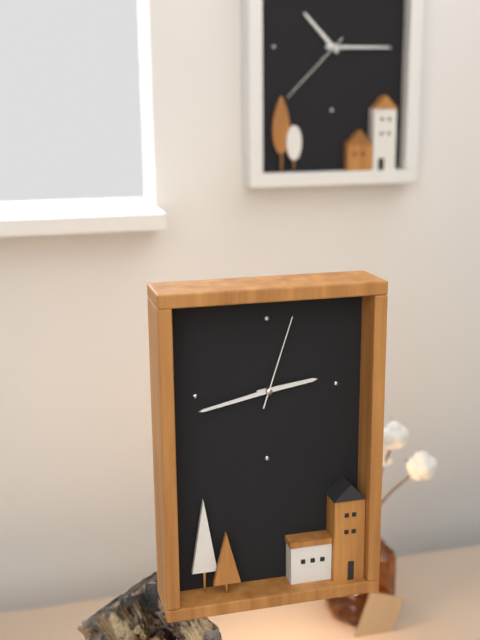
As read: 2:43:03
